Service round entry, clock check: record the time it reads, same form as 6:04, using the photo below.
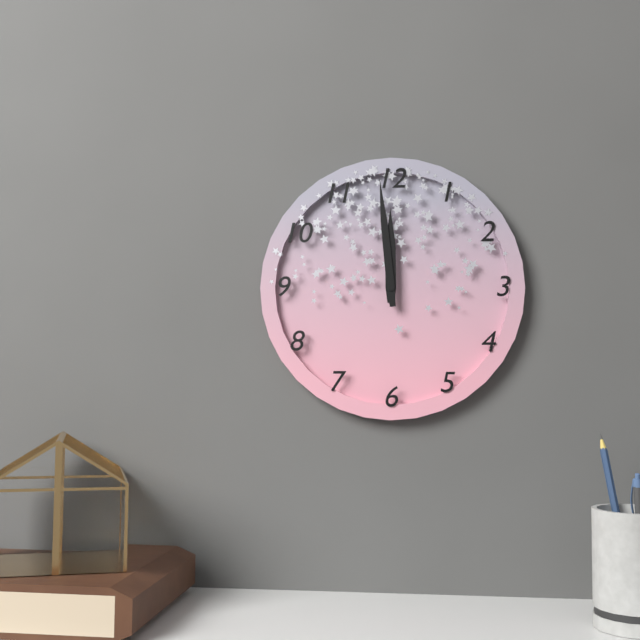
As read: 11:59
